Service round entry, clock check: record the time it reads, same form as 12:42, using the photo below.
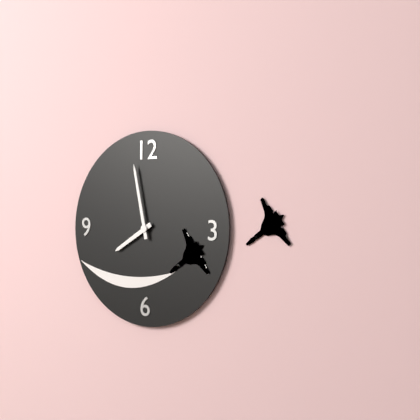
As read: 7:58
